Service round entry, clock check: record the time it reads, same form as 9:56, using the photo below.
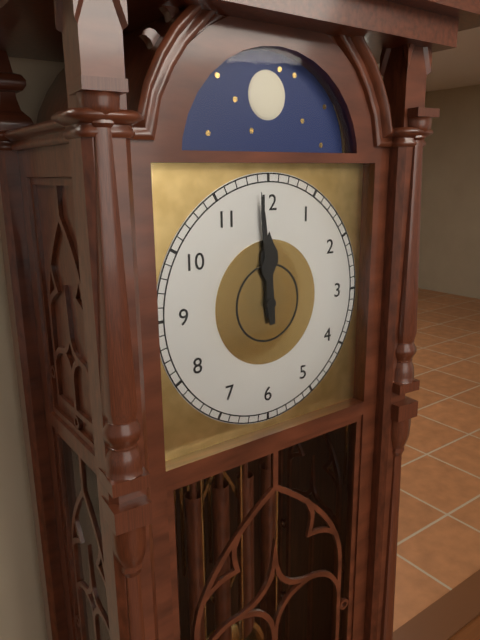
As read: 11:59
